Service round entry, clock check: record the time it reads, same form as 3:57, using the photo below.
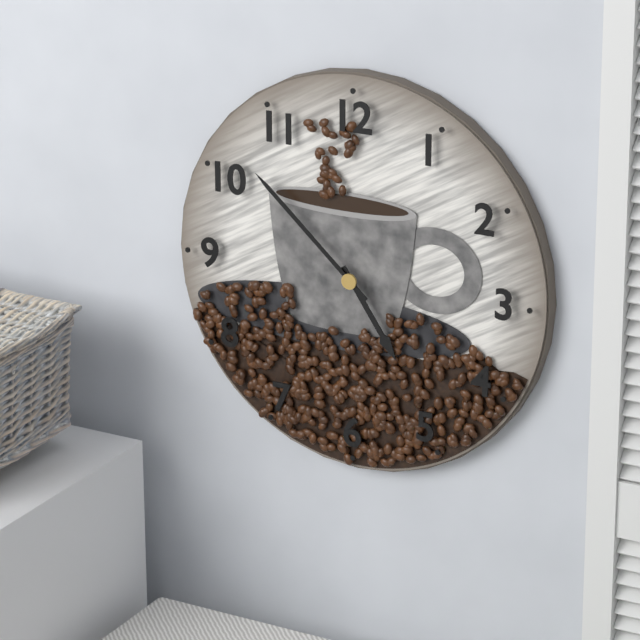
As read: 4:52
